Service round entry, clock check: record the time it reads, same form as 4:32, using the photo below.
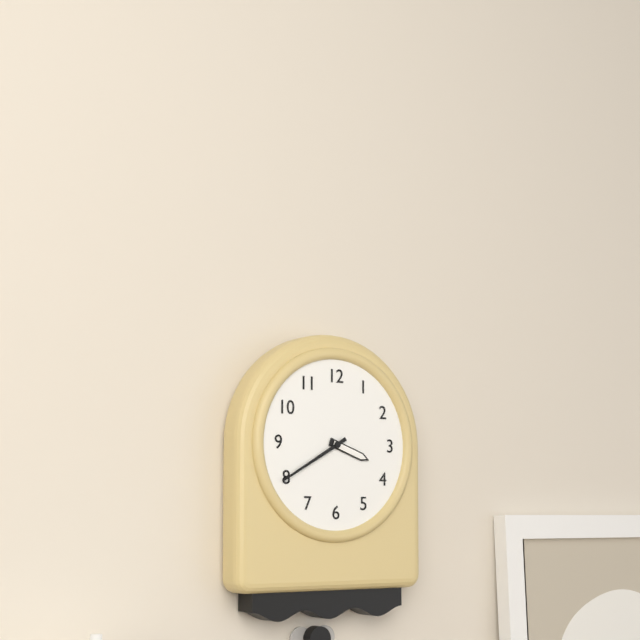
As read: 3:40
